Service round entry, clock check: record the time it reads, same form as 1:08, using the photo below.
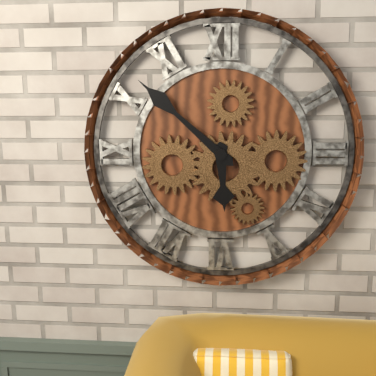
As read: 5:52
